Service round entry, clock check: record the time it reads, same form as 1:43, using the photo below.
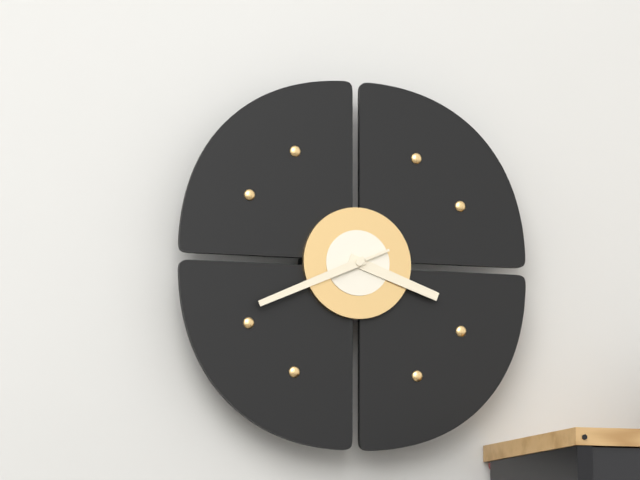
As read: 3:41
